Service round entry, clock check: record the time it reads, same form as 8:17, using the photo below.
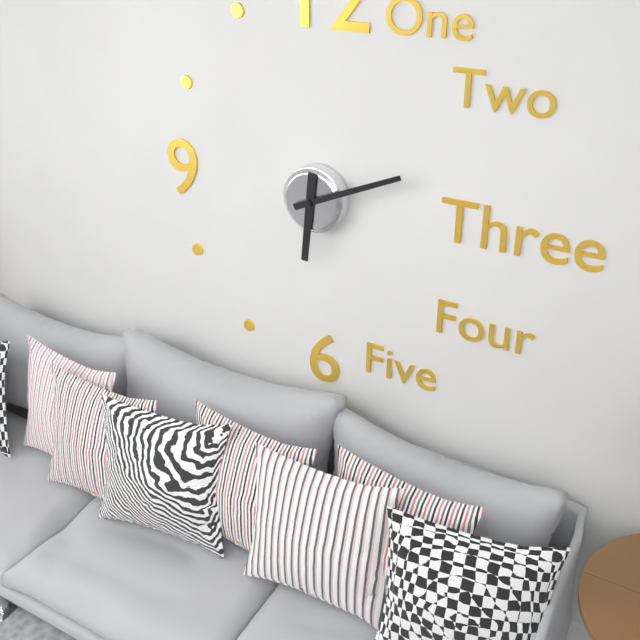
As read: 6:11
